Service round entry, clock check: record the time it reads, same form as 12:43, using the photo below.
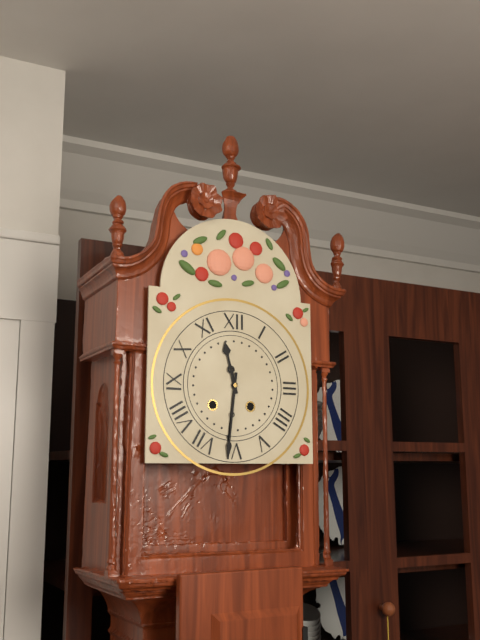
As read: 11:31
